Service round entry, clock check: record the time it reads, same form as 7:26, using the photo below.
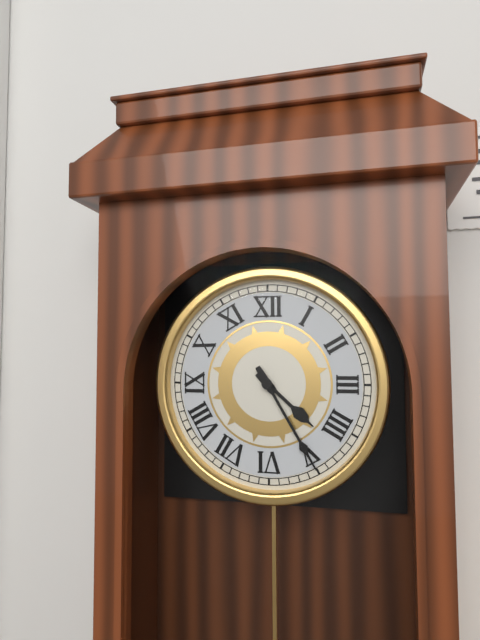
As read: 4:25
